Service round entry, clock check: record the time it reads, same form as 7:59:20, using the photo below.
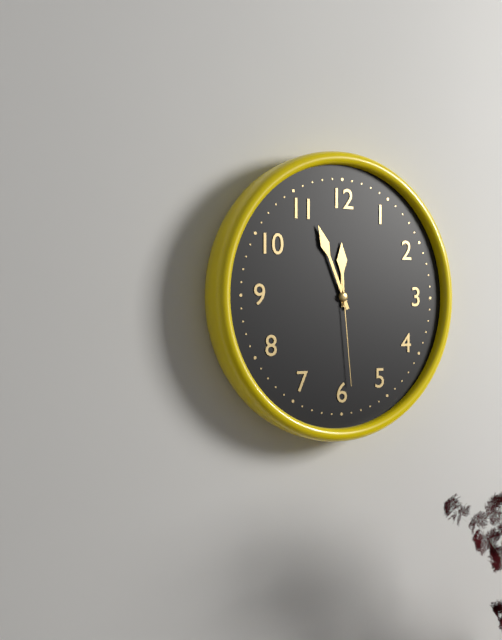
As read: 11:56:29
